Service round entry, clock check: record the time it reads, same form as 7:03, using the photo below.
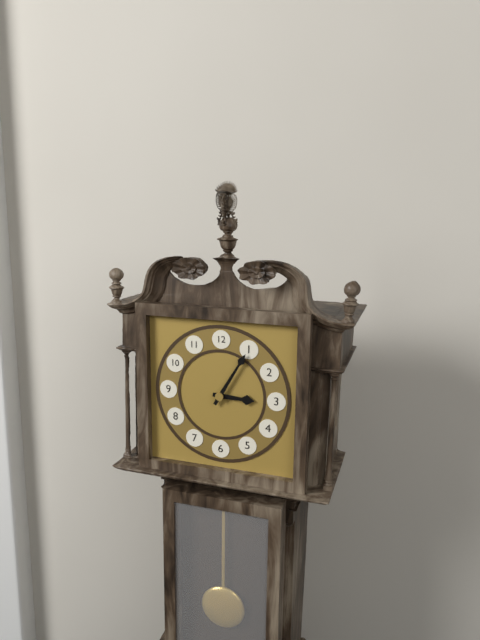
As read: 3:05
